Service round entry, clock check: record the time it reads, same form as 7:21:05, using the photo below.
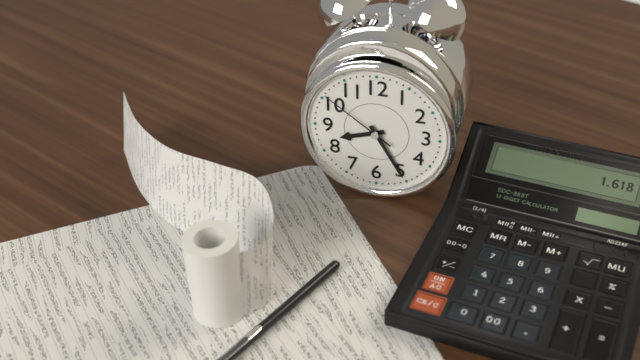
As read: 8:25:51
